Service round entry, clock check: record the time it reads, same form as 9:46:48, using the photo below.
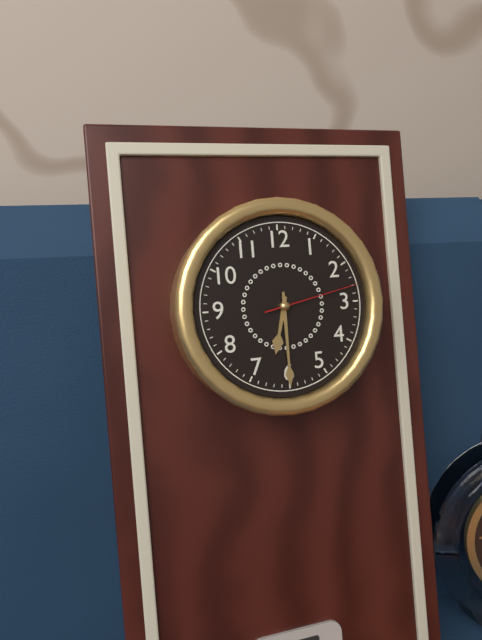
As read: 6:30:13
